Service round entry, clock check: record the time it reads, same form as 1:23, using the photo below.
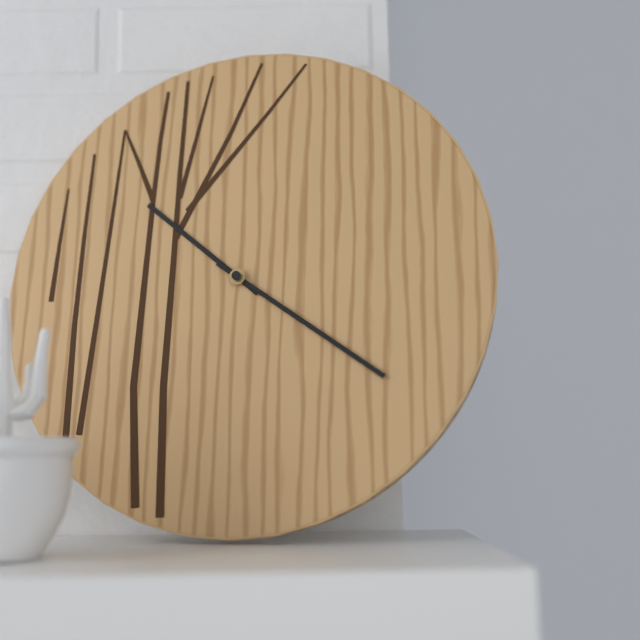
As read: 10:21
